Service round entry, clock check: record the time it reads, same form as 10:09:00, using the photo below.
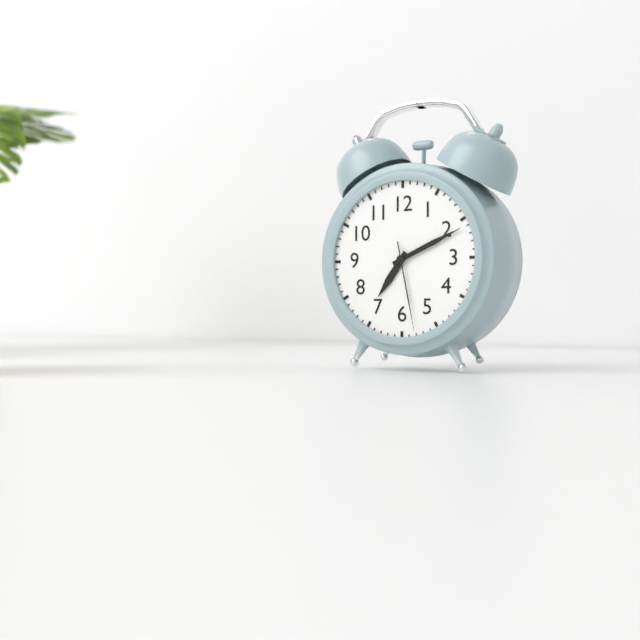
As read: 7:11:28
